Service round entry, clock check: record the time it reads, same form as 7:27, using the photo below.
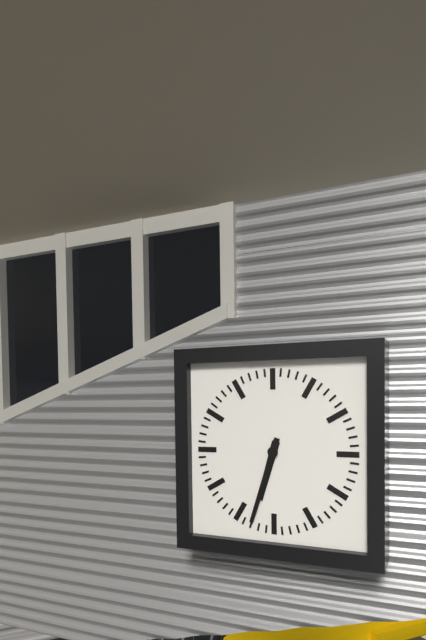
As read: 6:33
